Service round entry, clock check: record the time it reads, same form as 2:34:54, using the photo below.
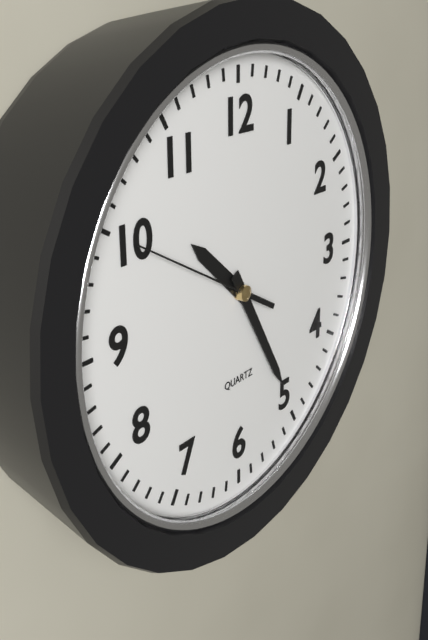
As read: 10:25:50
